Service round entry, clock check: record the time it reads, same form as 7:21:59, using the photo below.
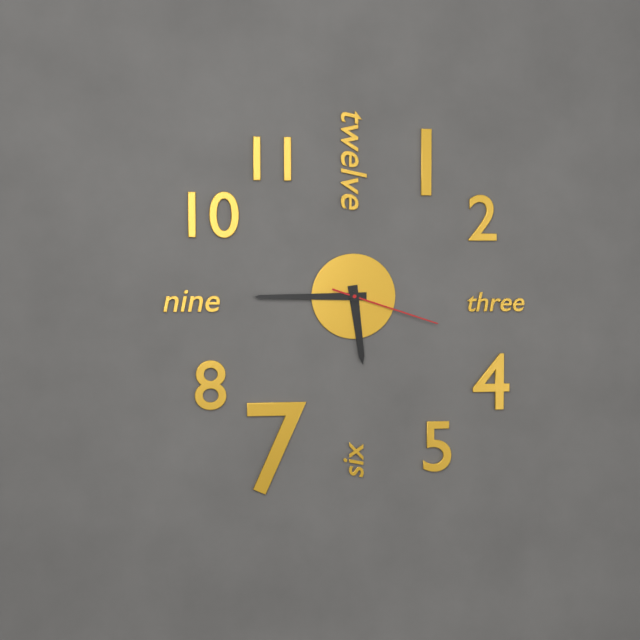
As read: 5:45:18
